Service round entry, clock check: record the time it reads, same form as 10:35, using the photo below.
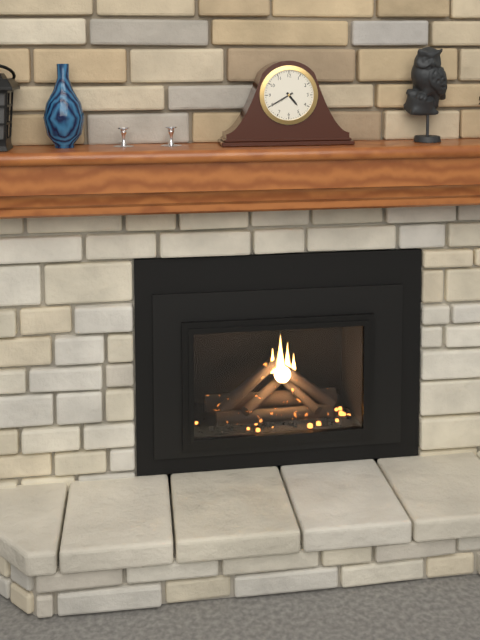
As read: 4:40
